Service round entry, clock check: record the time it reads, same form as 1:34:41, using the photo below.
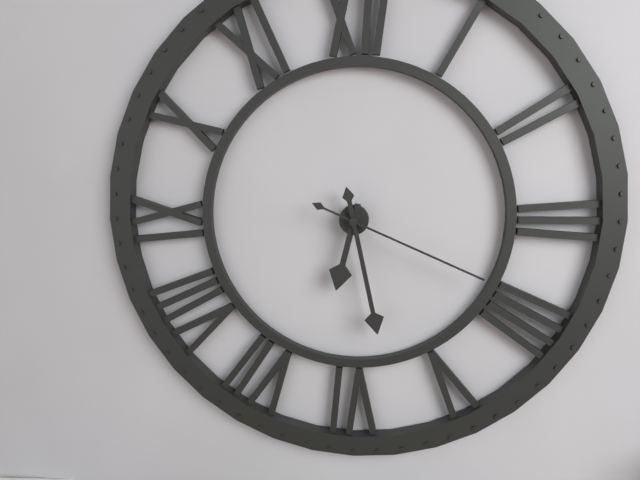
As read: 6:28:19
